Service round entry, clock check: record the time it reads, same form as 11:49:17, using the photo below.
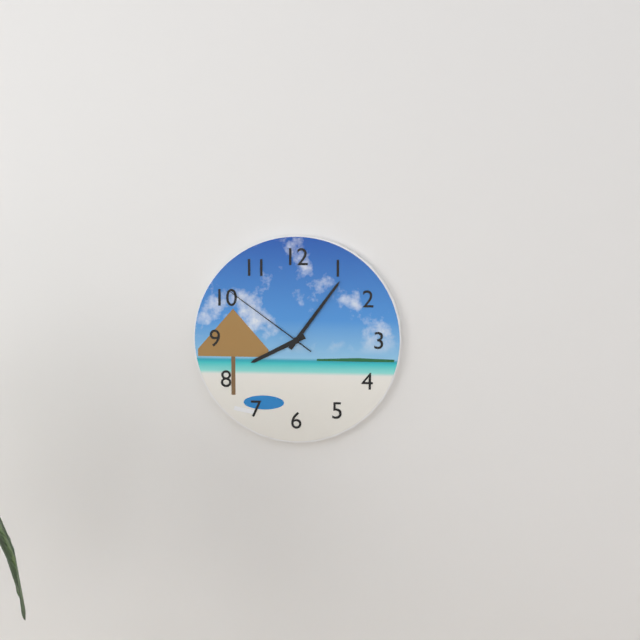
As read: 8:06:51
